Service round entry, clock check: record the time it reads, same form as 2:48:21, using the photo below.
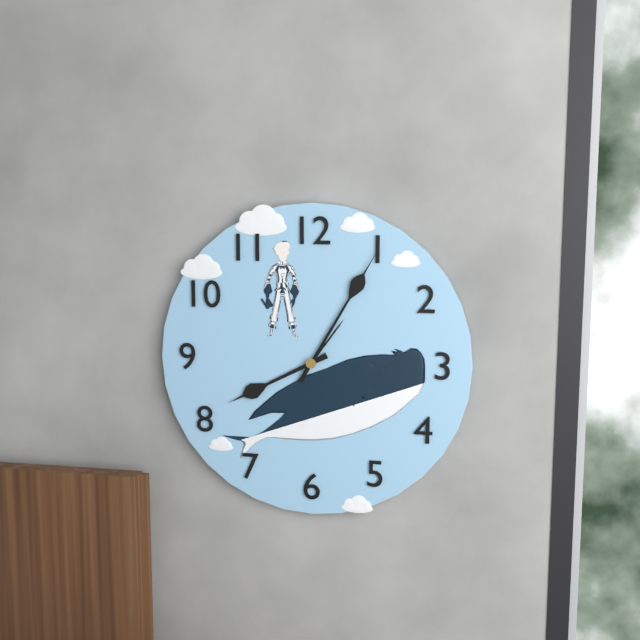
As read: 8:05:06
